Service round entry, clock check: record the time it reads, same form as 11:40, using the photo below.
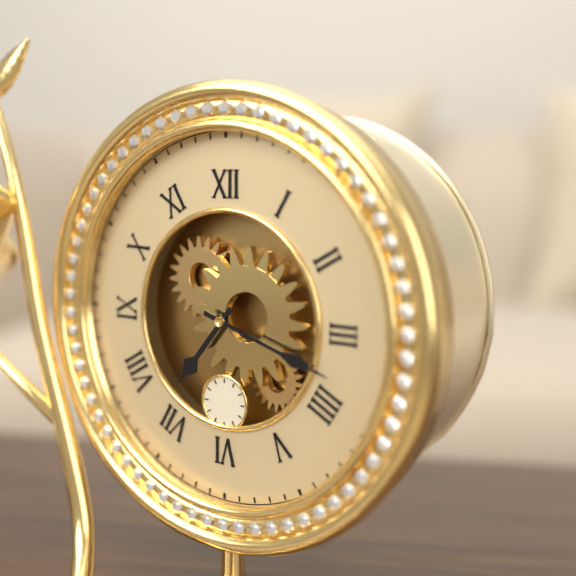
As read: 7:18
